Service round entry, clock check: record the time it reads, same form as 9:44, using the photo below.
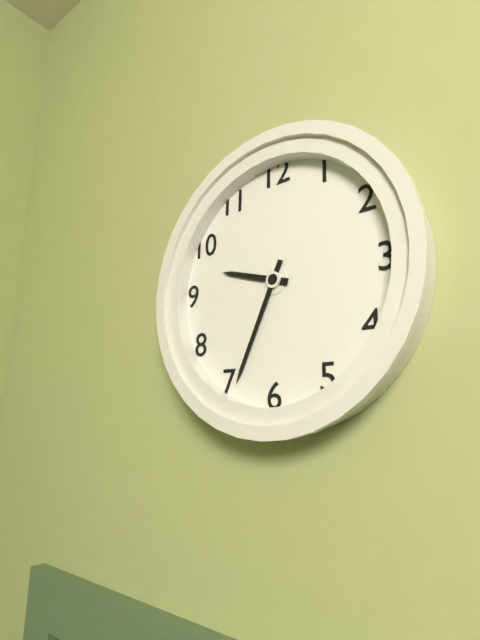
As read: 9:34
